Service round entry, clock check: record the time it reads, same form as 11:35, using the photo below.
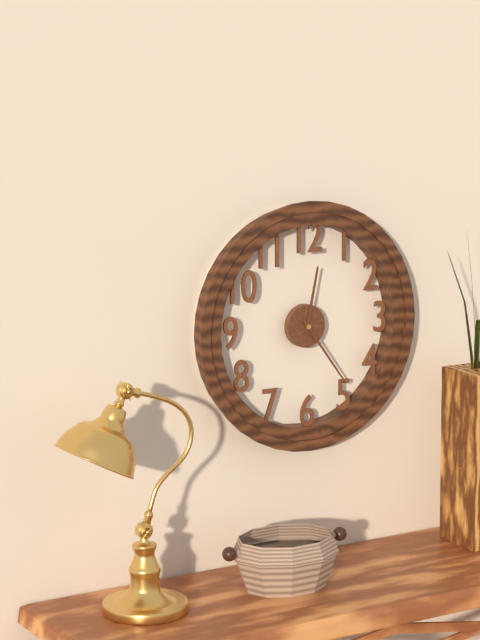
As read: 12:24
